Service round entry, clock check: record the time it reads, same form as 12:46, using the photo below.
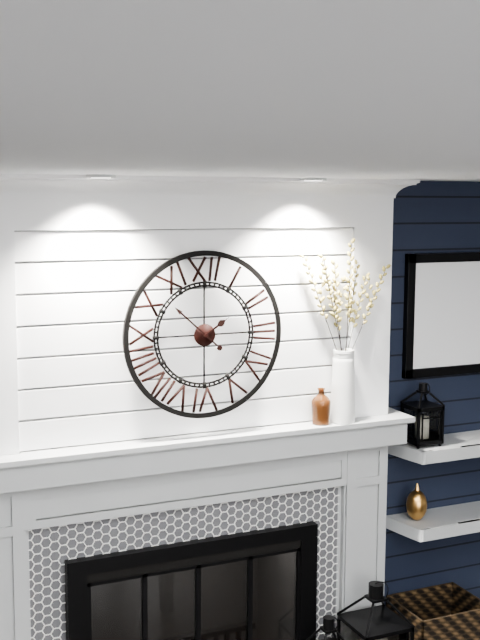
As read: 1:52
